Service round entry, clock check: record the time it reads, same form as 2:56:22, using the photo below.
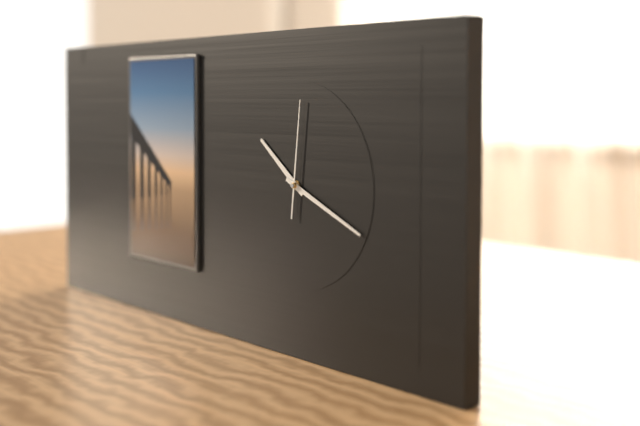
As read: 10:19:01
